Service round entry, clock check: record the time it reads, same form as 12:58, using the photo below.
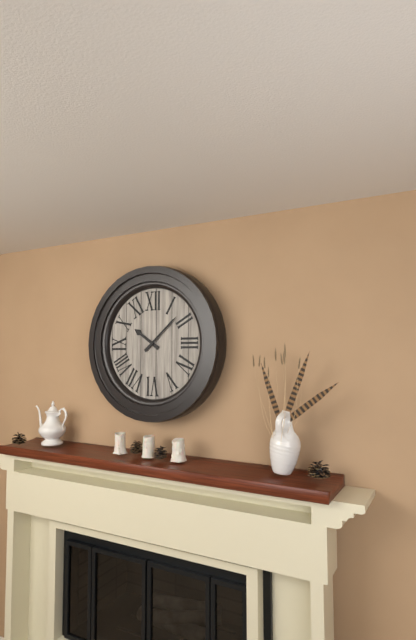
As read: 10:08
